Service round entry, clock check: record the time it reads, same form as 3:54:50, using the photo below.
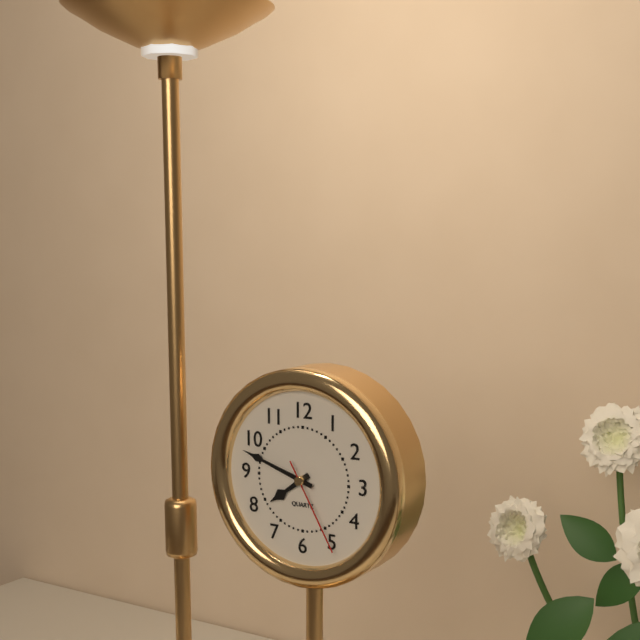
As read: 7:48:25
